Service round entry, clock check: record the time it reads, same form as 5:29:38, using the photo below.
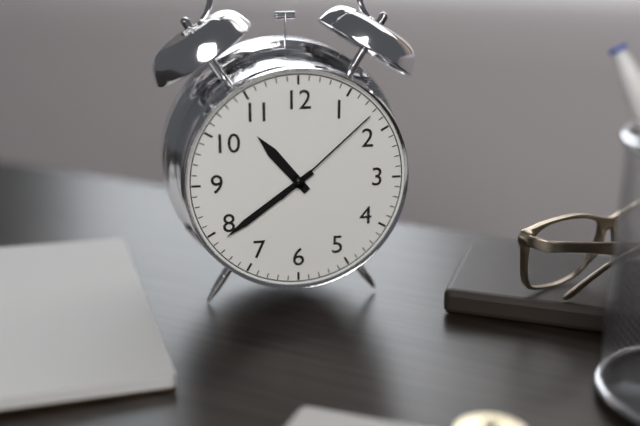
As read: 10:39:08
